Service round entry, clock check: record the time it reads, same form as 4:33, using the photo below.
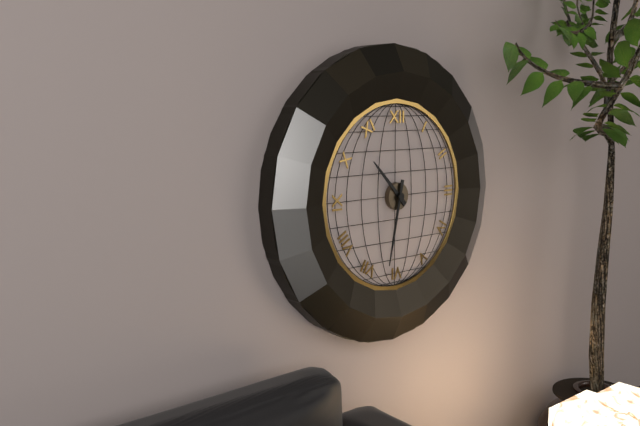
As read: 10:32
